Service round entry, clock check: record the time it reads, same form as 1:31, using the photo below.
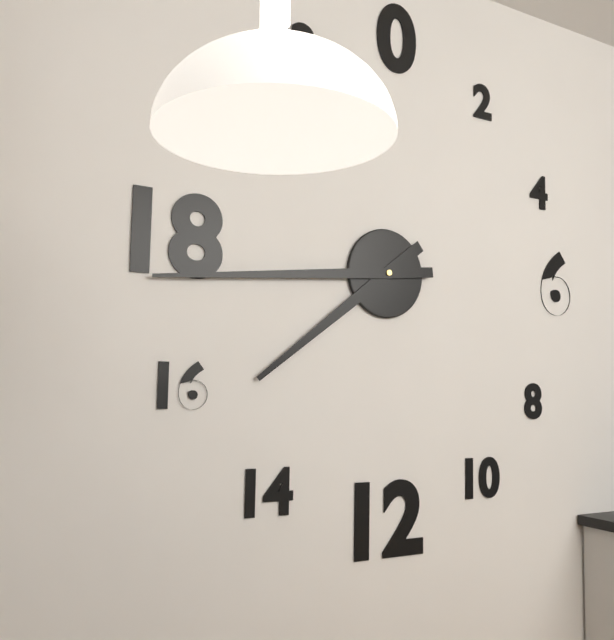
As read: 7:44
